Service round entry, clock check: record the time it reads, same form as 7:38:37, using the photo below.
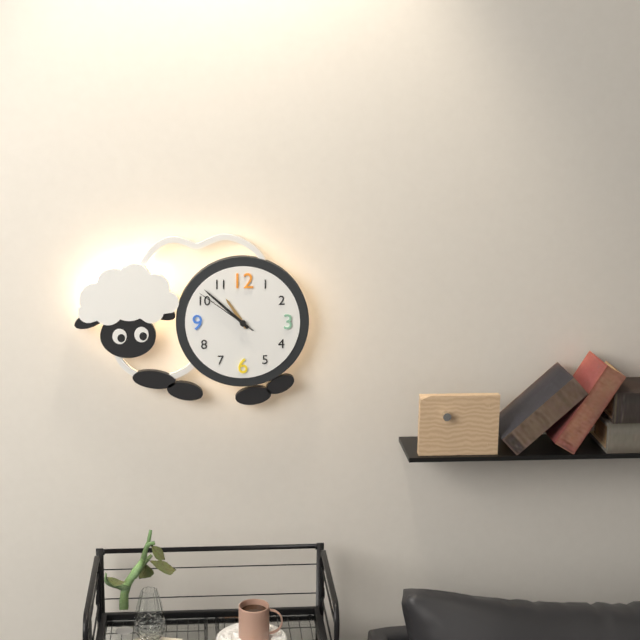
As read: 10:52:51
